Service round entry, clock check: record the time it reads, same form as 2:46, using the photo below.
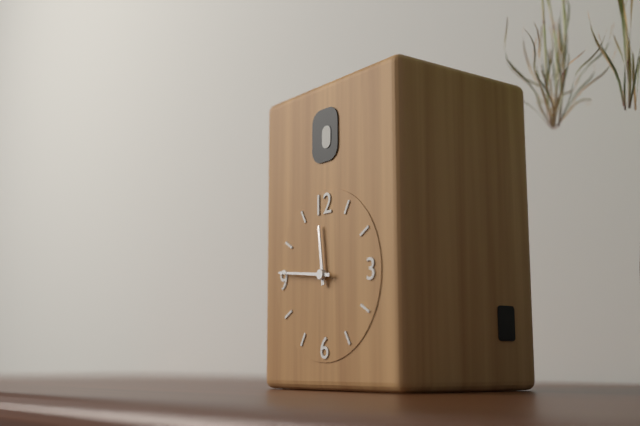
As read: 11:46
